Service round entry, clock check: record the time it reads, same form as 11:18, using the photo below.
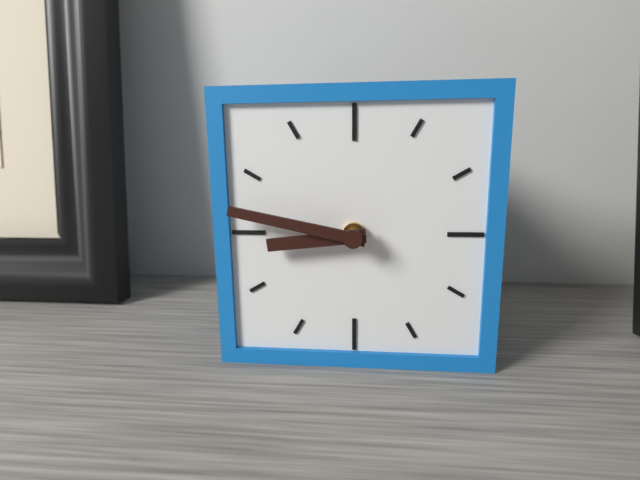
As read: 8:47
